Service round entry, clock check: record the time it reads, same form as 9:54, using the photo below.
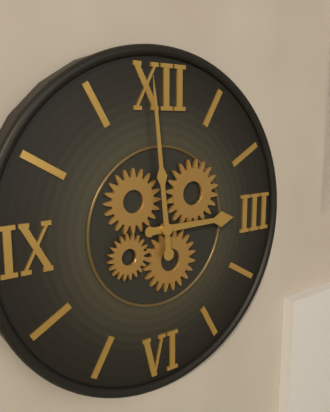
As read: 2:59
